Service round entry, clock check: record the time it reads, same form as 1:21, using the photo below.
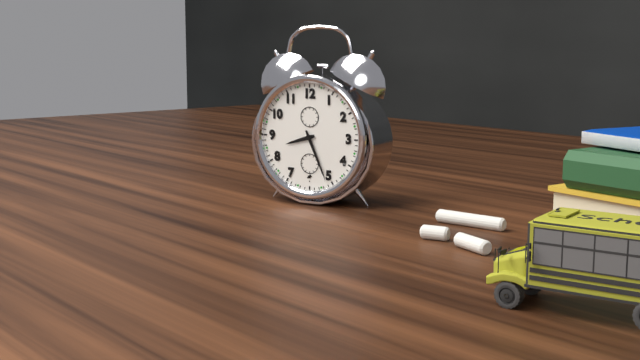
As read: 8:26
